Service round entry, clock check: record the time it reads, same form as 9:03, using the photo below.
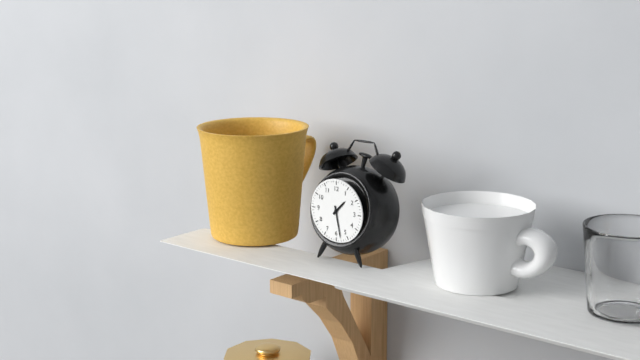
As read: 1:28
